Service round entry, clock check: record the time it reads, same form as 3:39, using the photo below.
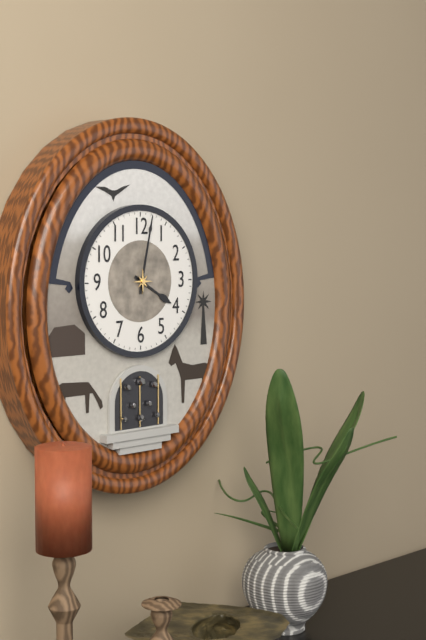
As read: 4:02
